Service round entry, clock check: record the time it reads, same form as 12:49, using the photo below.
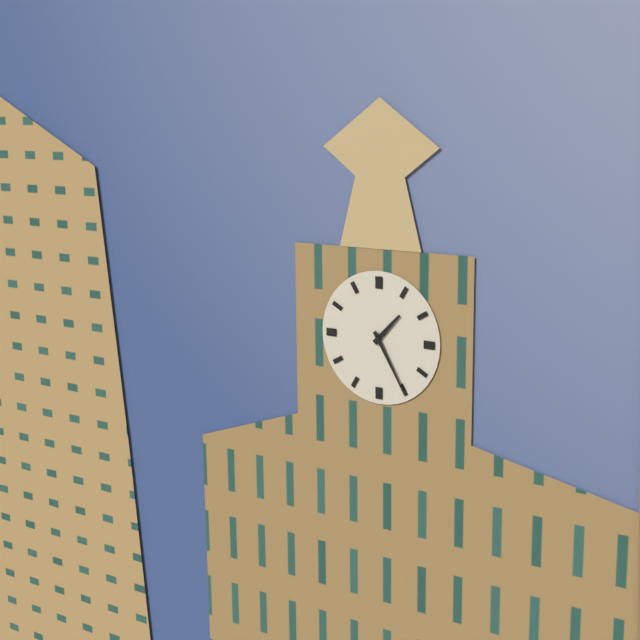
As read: 1:25
